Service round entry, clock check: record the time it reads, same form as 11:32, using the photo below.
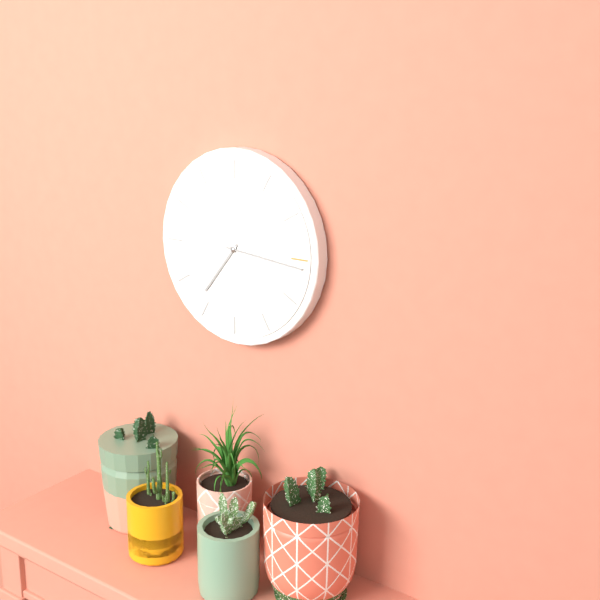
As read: 7:16
